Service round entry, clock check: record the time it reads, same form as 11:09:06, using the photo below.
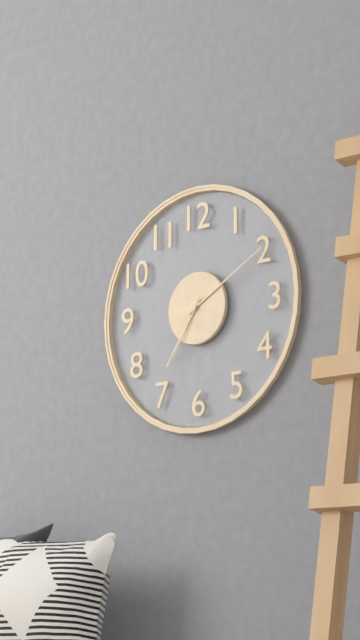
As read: 7:10:35
